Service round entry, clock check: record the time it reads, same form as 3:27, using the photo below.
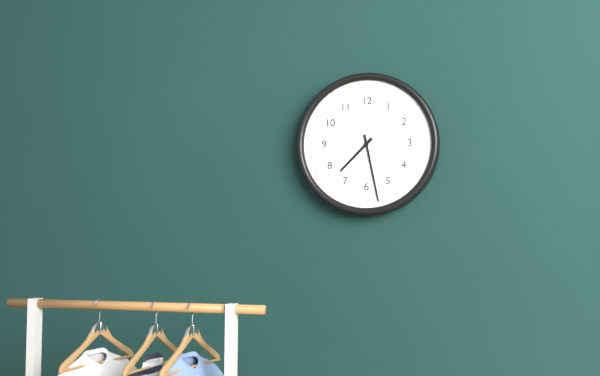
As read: 7:28
